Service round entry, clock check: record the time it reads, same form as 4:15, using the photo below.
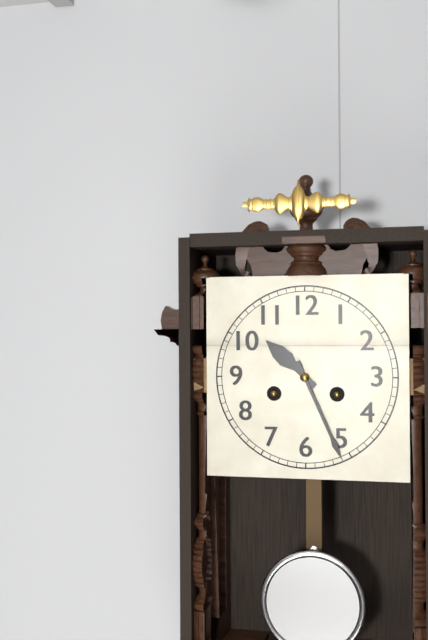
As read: 10:26
